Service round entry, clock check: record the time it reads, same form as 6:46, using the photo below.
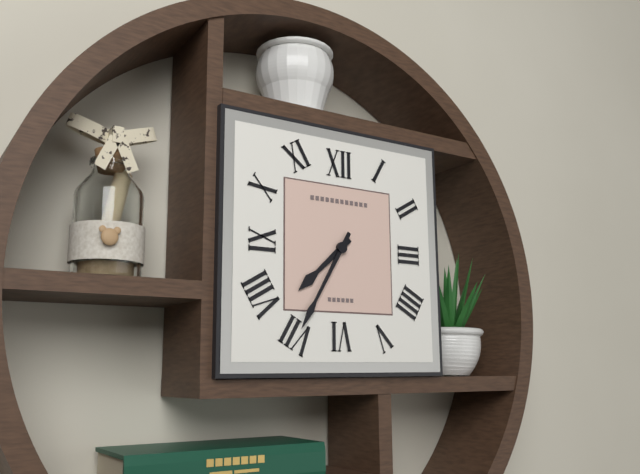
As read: 7:35
